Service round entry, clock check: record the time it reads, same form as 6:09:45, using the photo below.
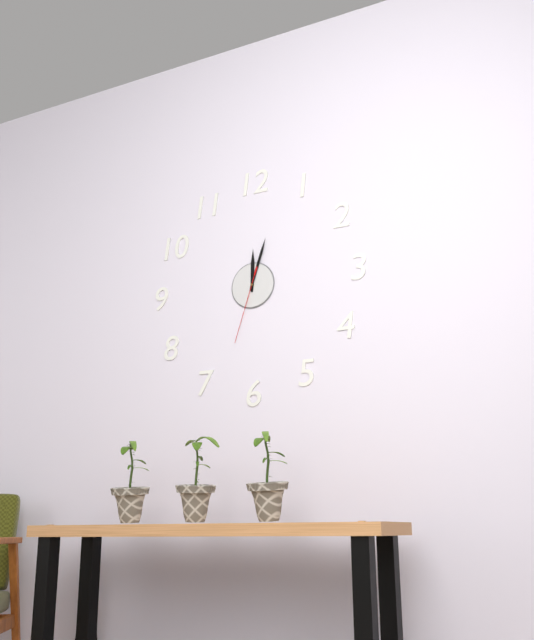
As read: 12:03:33
